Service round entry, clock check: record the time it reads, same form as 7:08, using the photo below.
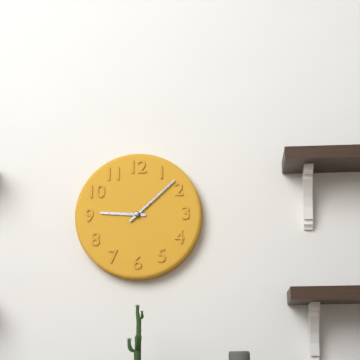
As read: 9:08
